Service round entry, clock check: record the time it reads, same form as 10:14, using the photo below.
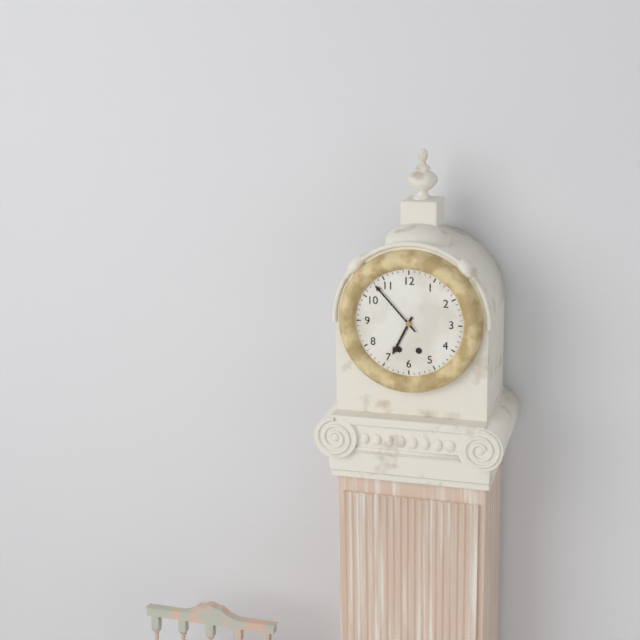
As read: 6:53
